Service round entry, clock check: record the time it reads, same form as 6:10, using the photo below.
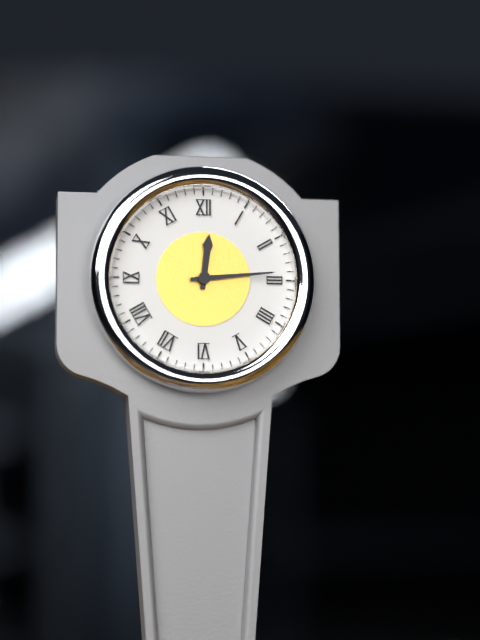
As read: 12:14
